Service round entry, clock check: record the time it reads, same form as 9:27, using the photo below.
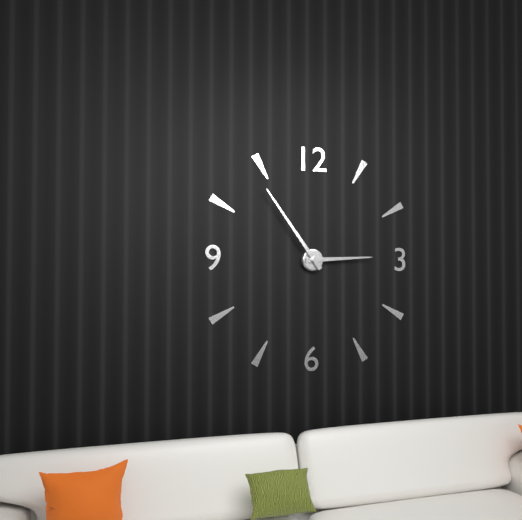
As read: 2:54
